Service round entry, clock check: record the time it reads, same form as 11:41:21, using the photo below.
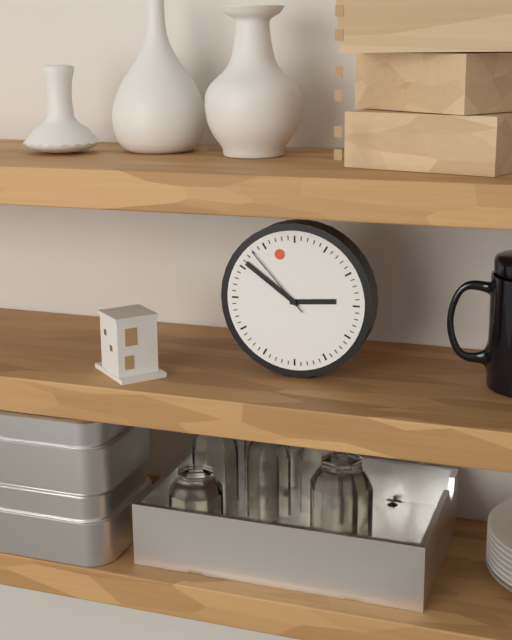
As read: 2:51:53
